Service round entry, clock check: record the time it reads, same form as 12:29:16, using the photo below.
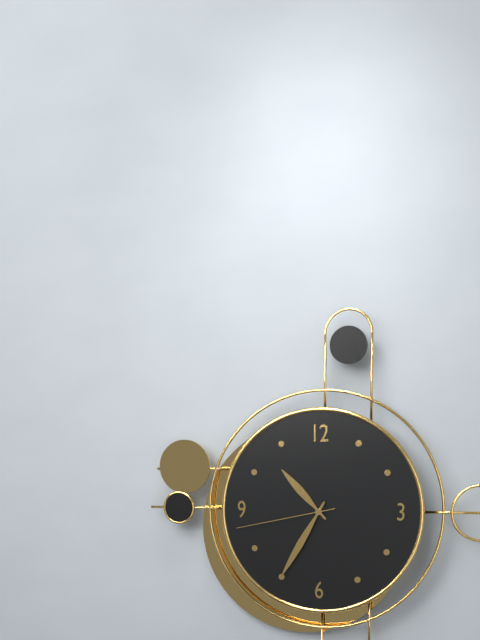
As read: 10:35:43
